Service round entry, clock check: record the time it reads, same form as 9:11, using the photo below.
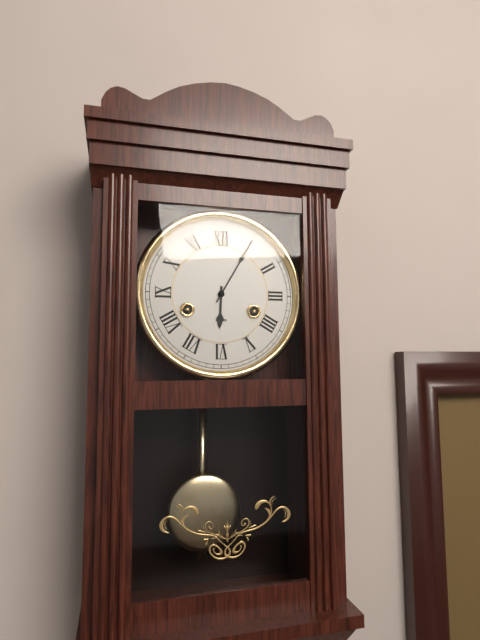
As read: 6:05
